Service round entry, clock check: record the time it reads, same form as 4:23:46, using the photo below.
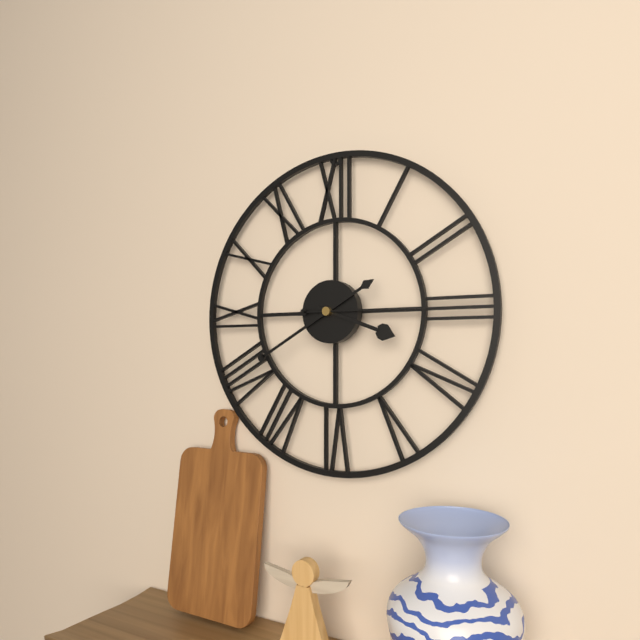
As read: 3:40:15
